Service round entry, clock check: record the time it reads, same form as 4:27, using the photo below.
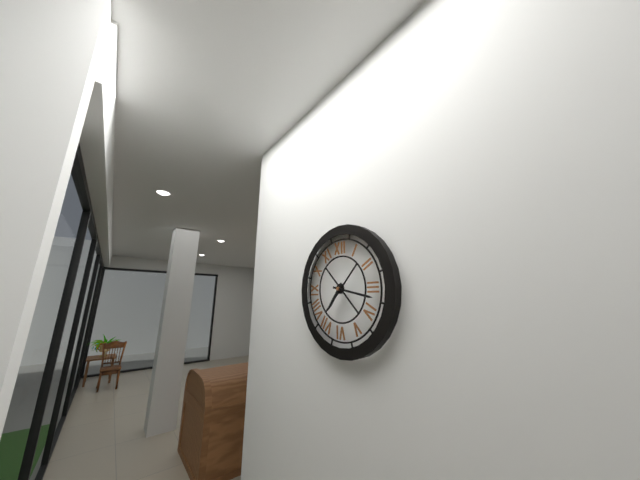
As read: 7:17
